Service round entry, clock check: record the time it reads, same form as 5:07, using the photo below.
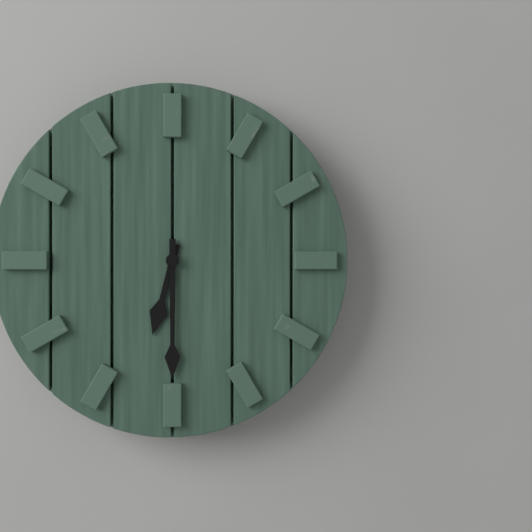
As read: 6:30
